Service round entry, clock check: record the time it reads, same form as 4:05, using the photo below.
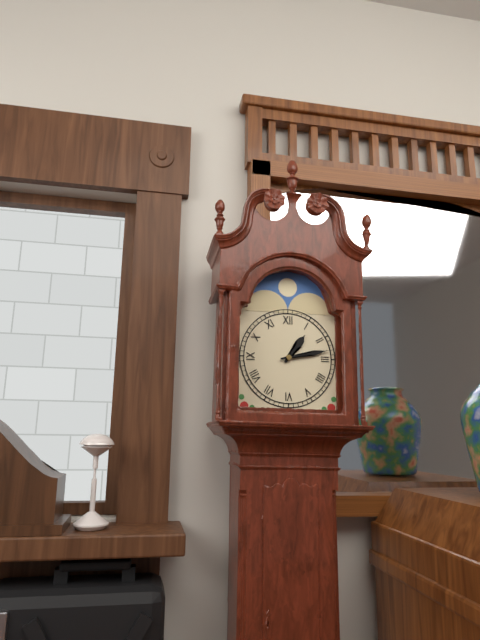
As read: 1:13
